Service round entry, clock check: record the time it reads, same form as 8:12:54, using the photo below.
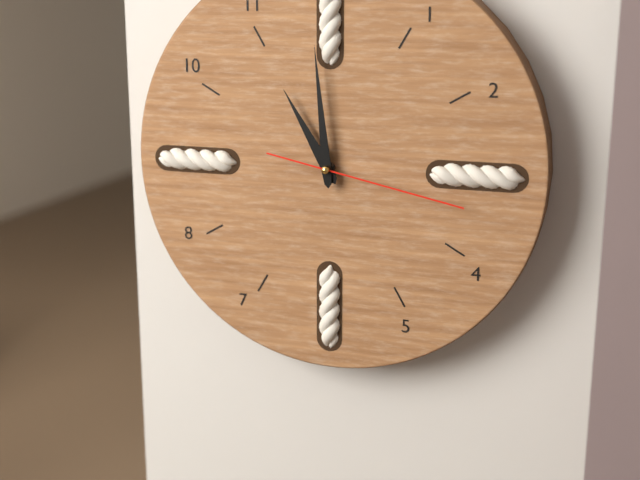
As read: 10:59:17
